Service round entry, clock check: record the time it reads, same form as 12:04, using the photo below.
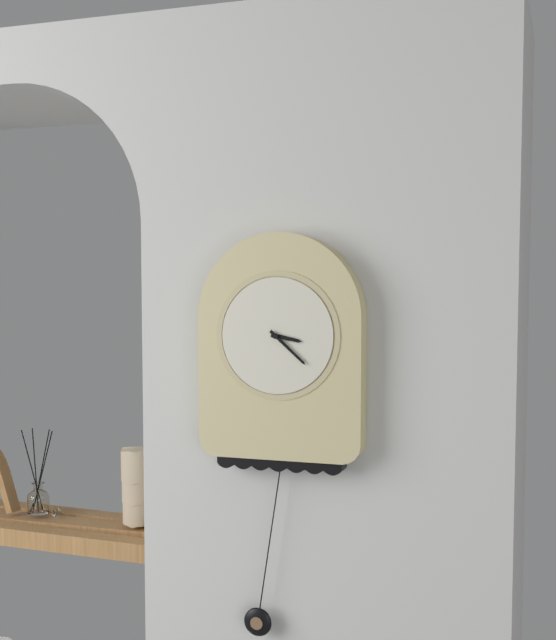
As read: 3:22
